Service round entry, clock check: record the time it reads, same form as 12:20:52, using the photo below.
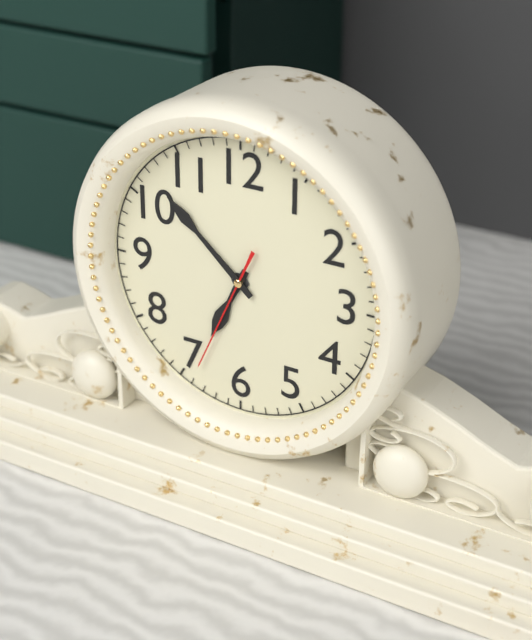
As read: 6:52:34
